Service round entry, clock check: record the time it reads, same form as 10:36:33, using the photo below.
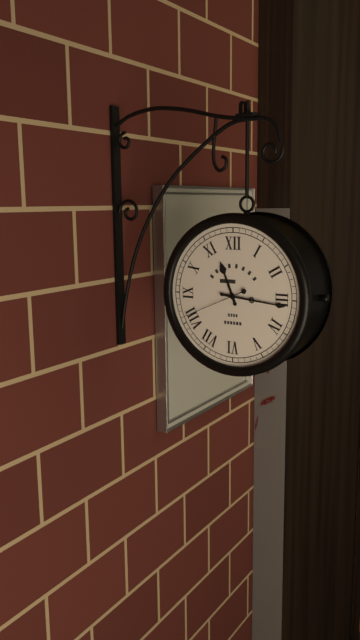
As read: 11:16:41
